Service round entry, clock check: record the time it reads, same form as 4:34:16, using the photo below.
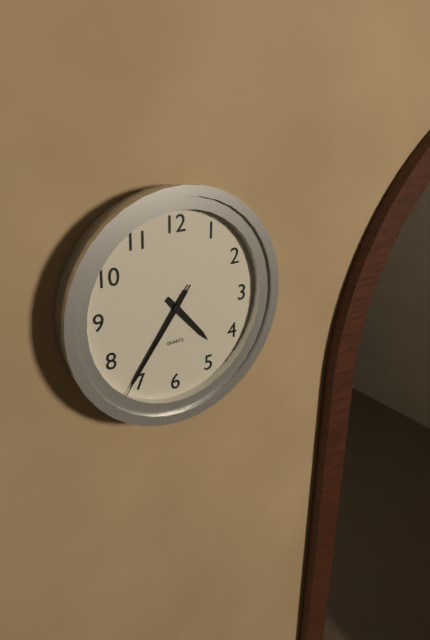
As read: 4:36:36
